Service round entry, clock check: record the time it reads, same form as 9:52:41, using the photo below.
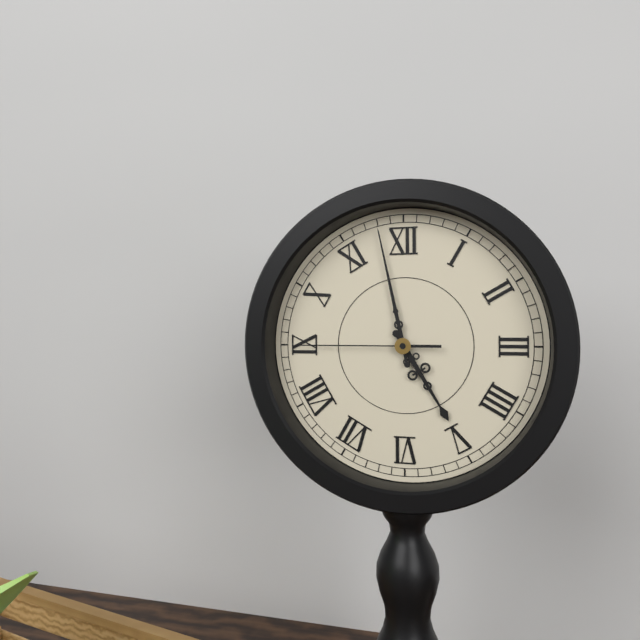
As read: 4:58:45
